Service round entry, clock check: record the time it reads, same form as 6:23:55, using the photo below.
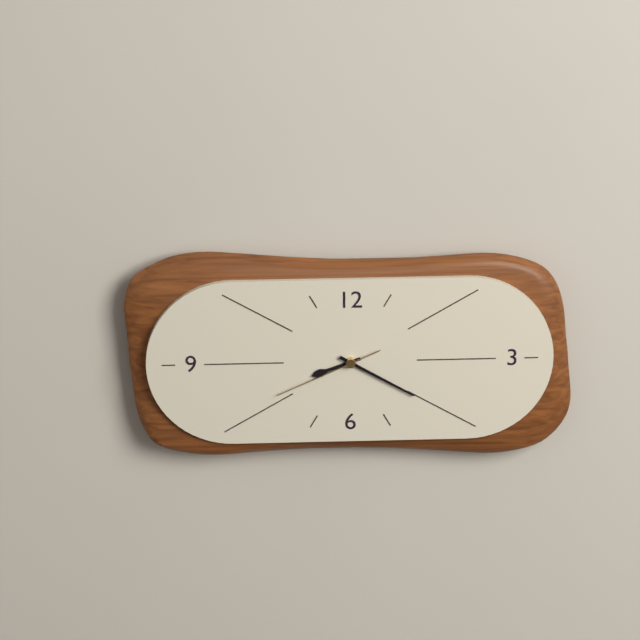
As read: 8:20:41
